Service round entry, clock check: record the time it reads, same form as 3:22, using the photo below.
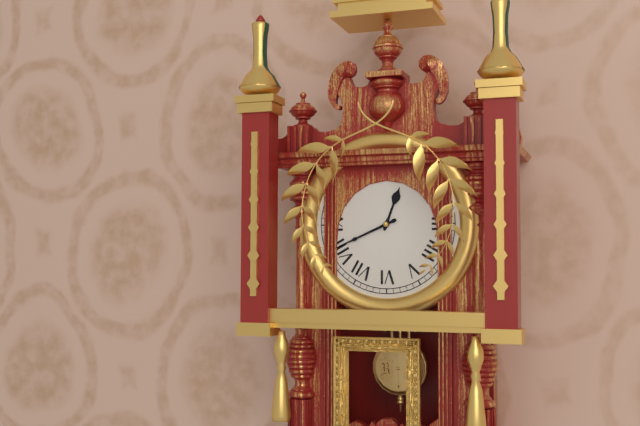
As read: 12:41
